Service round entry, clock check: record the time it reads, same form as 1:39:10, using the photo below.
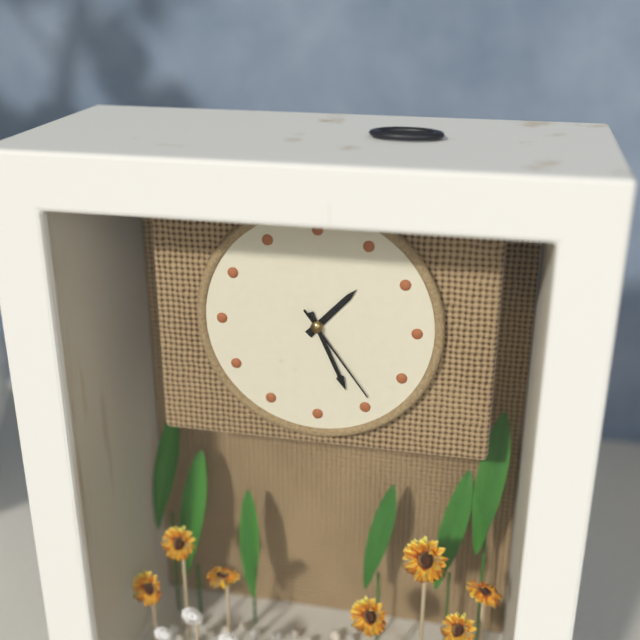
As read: 1:26:24
